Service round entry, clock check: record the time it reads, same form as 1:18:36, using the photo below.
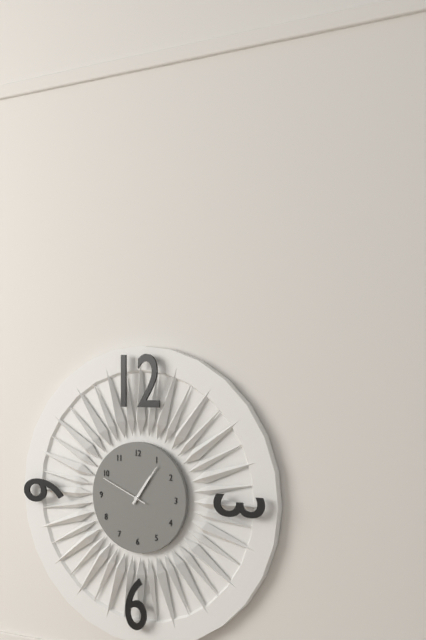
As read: 1:06:49
